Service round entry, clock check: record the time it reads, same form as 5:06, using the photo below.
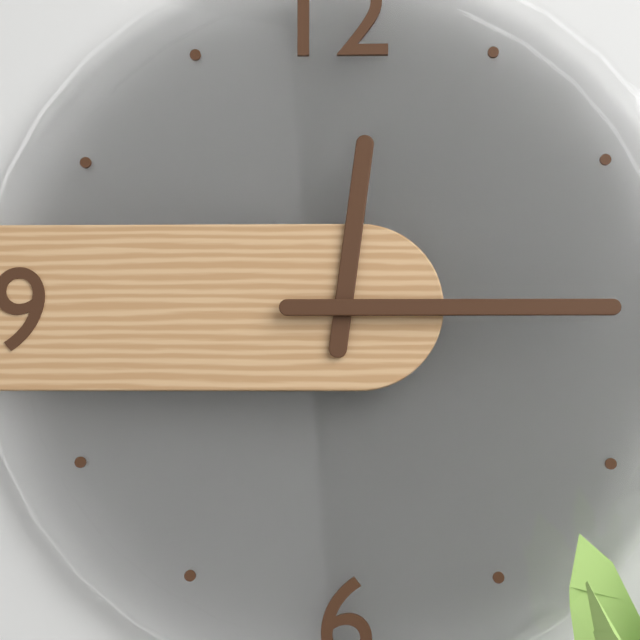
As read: 12:15
